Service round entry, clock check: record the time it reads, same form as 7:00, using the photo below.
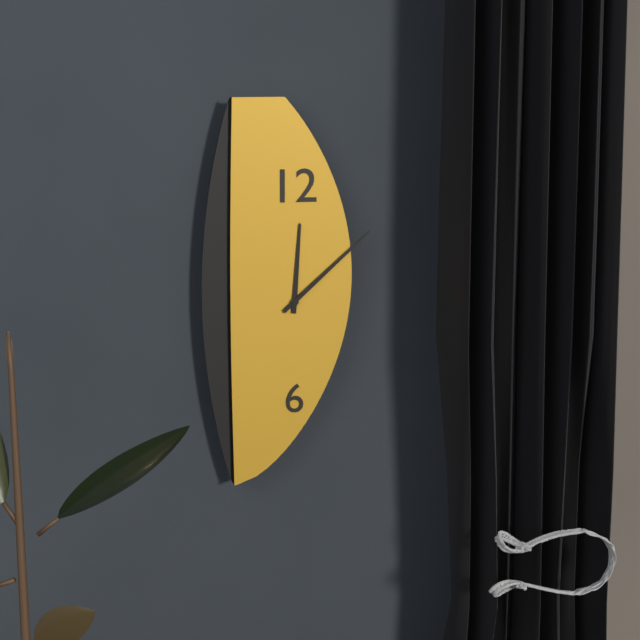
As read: 12:08
